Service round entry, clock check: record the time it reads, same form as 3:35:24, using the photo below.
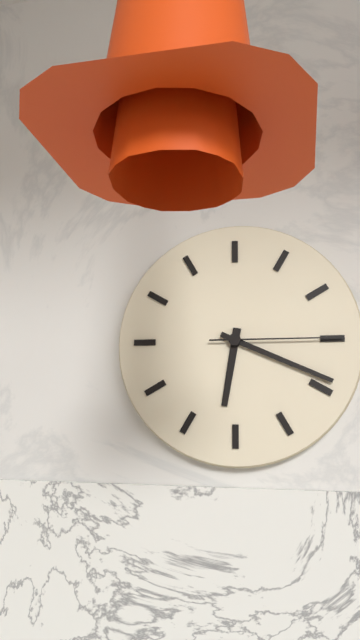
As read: 6:19:15
